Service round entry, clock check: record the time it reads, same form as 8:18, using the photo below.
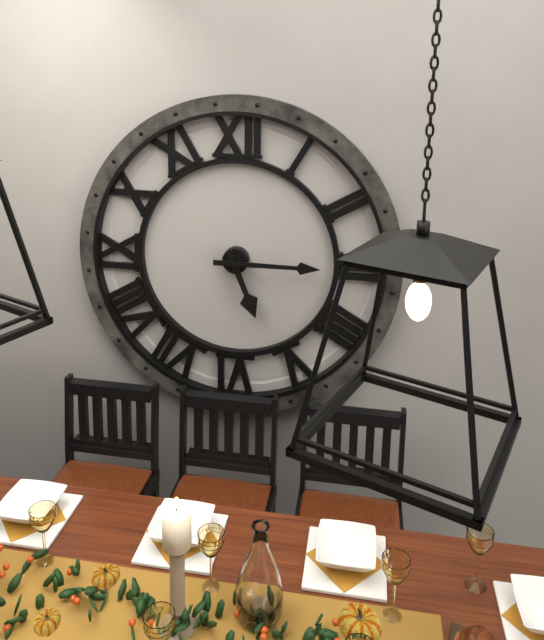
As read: 5:15
